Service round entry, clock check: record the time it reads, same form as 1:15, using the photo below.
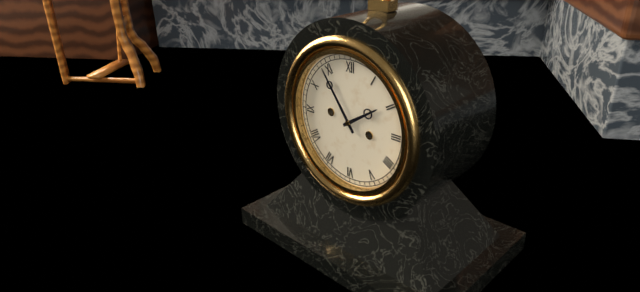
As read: 1:54
